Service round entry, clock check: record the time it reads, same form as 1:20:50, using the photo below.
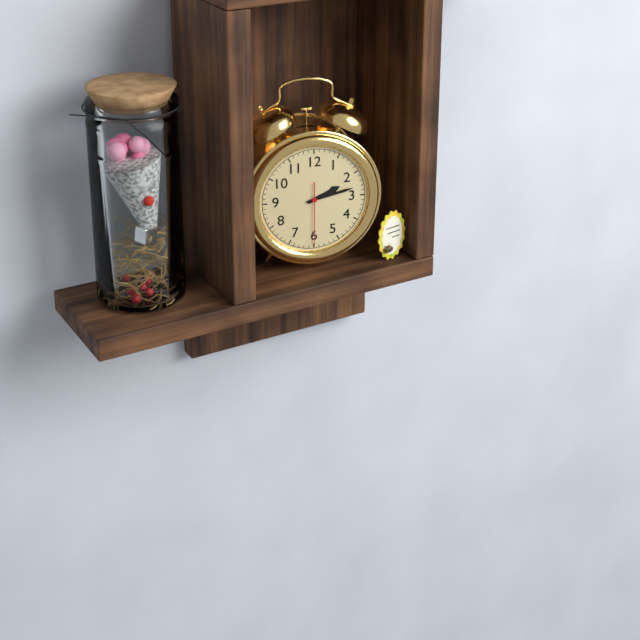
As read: 2:13:30
